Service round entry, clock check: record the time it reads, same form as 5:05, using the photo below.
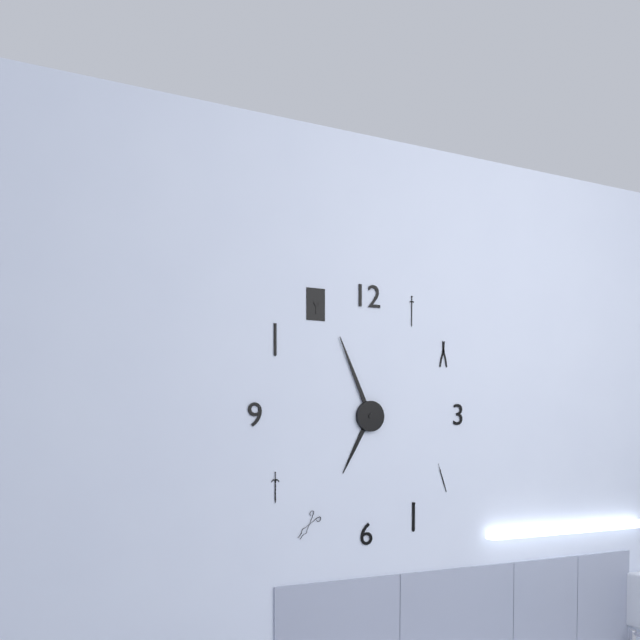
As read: 6:56
